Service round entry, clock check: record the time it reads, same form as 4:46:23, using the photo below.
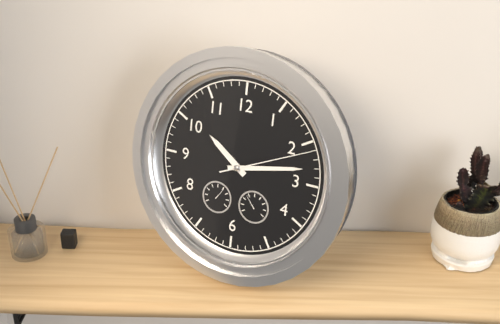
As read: 10:13:11
